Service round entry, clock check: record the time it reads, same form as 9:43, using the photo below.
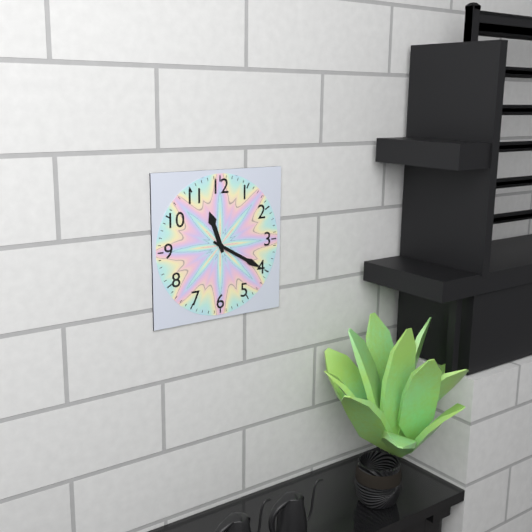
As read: 11:20
